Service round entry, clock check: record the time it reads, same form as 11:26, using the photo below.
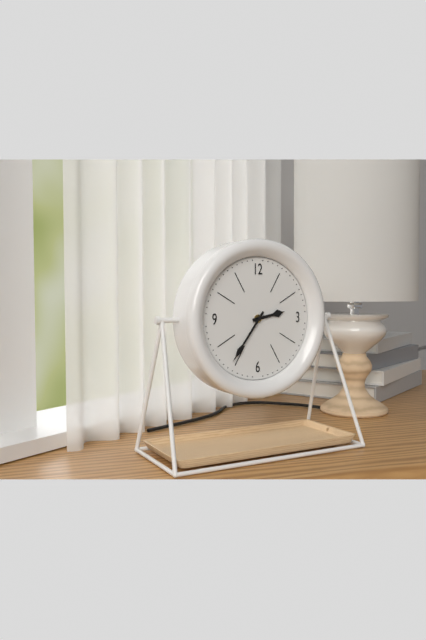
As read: 2:36
